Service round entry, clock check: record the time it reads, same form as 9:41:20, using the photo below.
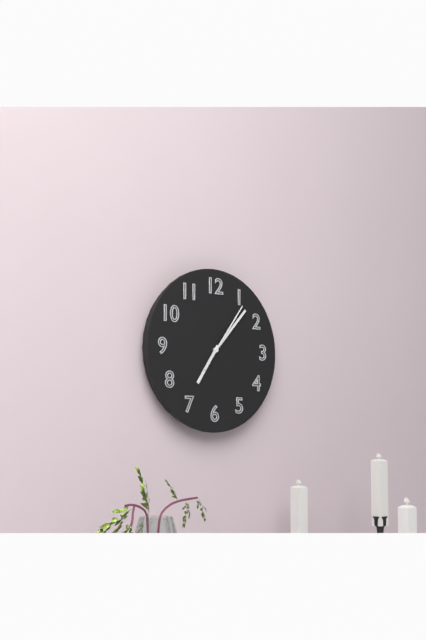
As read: 7:07:06
